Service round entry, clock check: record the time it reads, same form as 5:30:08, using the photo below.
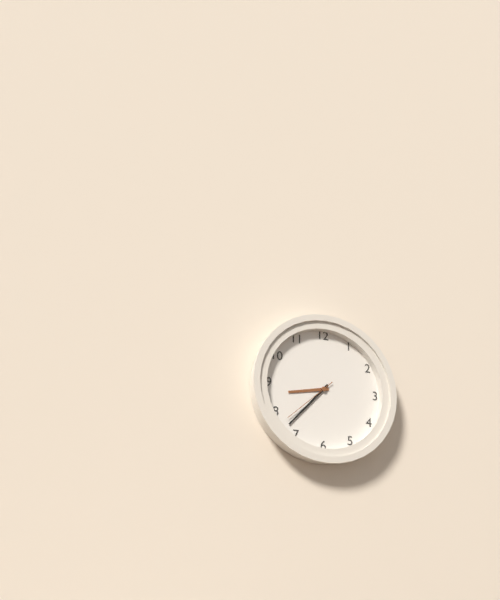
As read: 8:37:38
